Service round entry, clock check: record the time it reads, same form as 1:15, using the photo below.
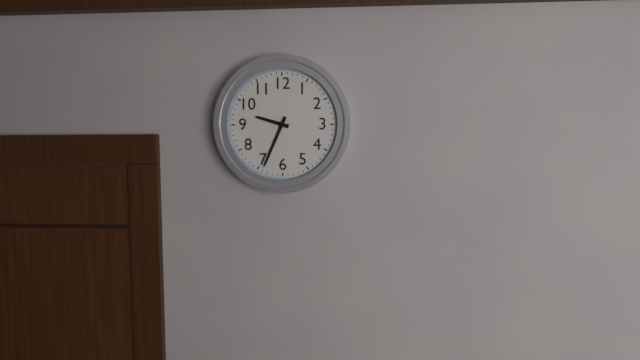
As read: 9:34
